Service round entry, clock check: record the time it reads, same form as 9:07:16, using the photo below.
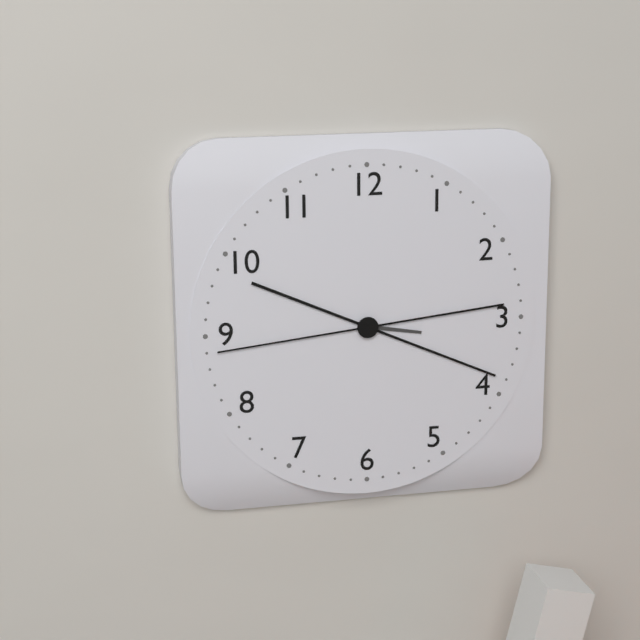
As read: 3:19:44
